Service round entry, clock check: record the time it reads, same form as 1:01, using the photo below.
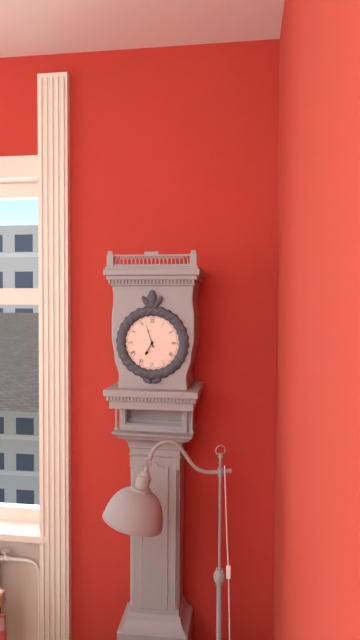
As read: 6:57
